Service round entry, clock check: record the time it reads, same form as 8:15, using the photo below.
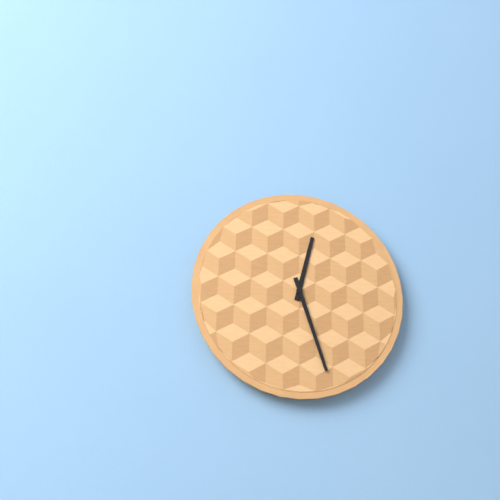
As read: 12:27
